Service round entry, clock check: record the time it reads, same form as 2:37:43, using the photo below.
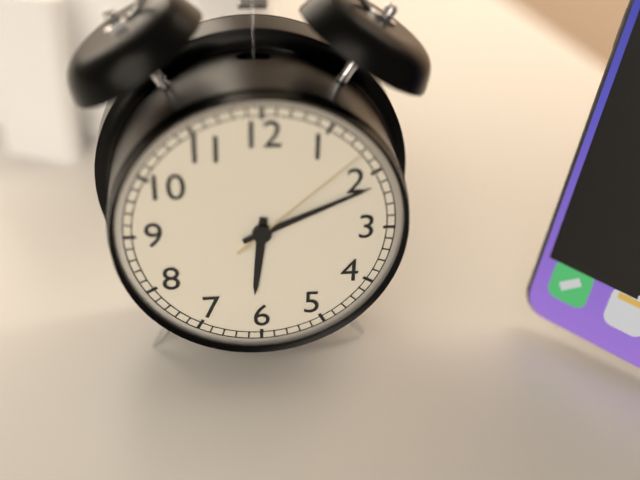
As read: 6:11:08
